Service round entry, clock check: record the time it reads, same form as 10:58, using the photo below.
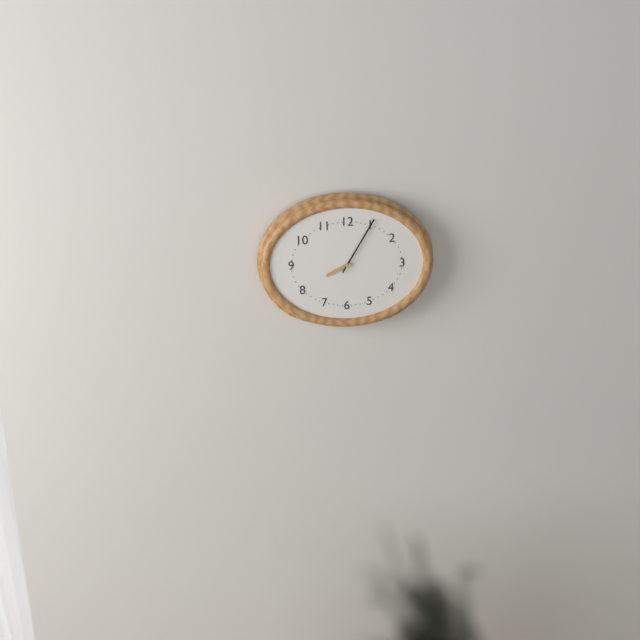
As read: 8:05
